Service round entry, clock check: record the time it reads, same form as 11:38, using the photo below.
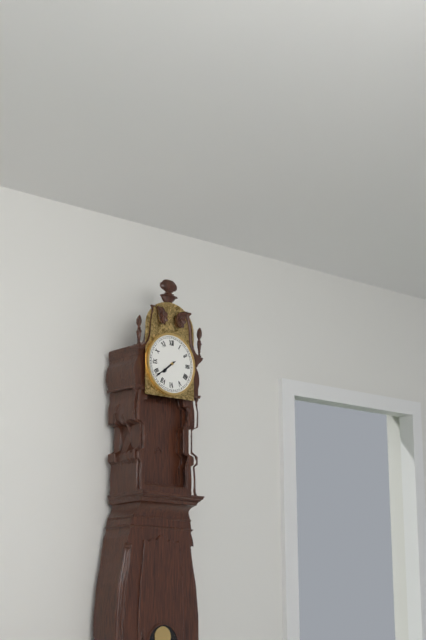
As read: 7:39
